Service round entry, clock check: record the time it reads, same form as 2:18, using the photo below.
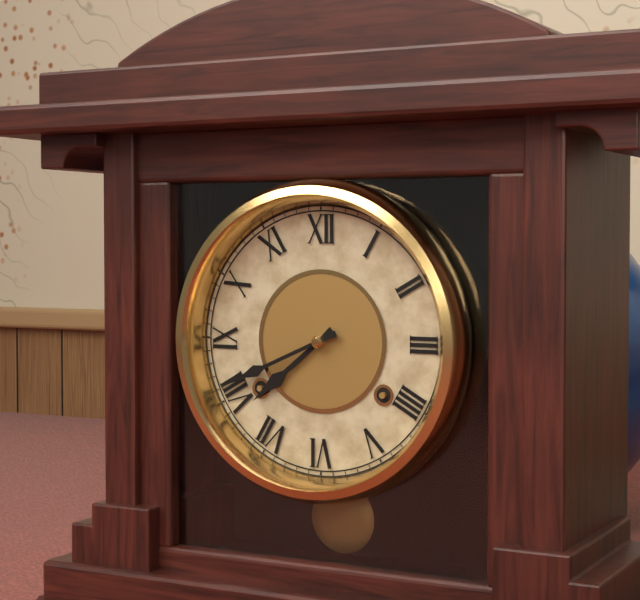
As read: 7:41
